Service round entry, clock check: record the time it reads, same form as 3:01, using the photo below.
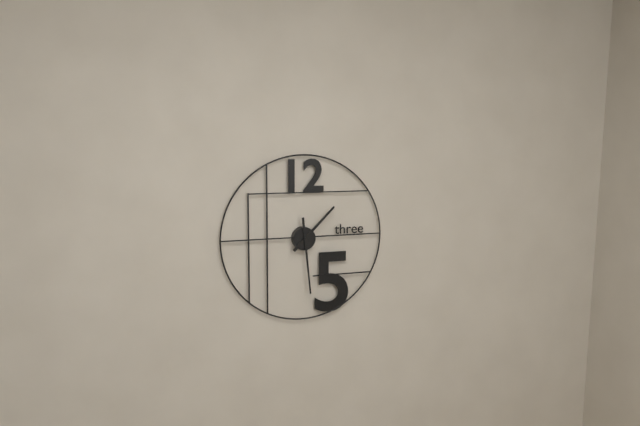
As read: 1:29
